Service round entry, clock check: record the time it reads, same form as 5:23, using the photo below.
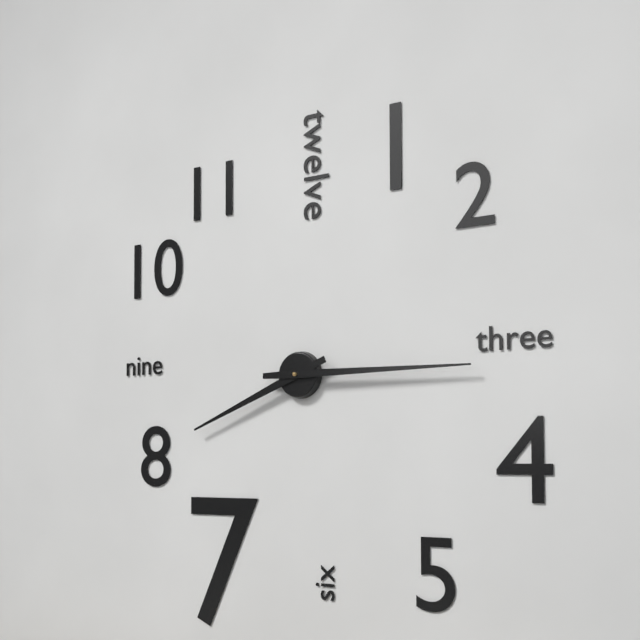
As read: 8:15
